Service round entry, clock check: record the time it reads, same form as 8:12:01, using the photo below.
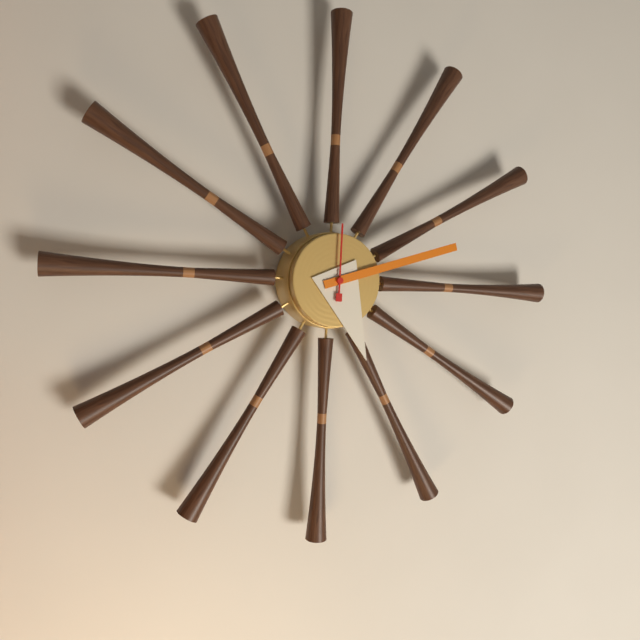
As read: 5:12:00
